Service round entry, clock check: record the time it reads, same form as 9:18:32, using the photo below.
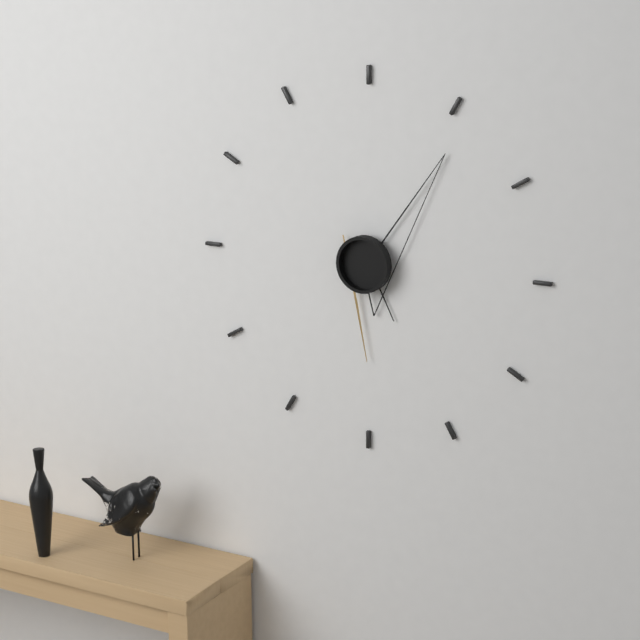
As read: 5:06:30
